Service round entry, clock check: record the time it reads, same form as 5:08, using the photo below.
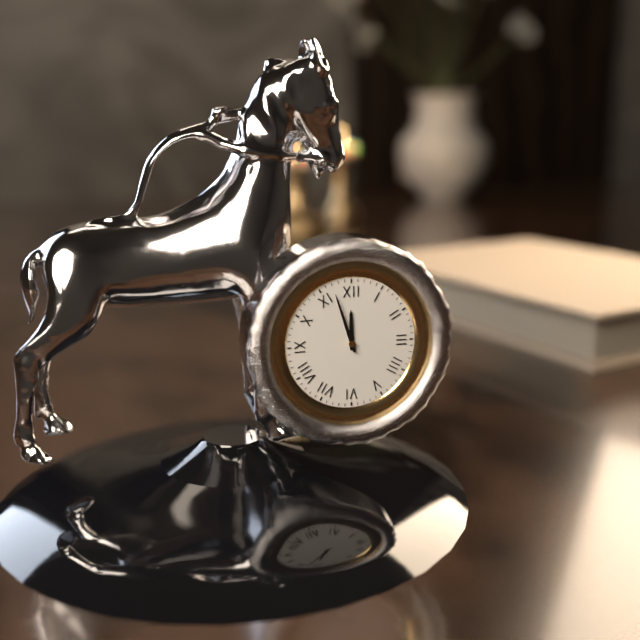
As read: 11:57
